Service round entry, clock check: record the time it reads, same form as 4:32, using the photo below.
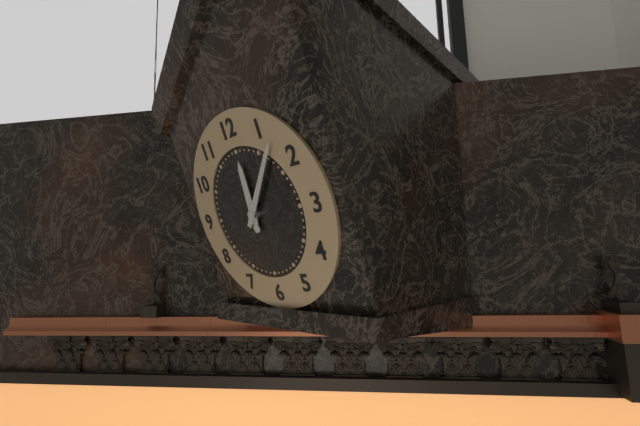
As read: 12:07
